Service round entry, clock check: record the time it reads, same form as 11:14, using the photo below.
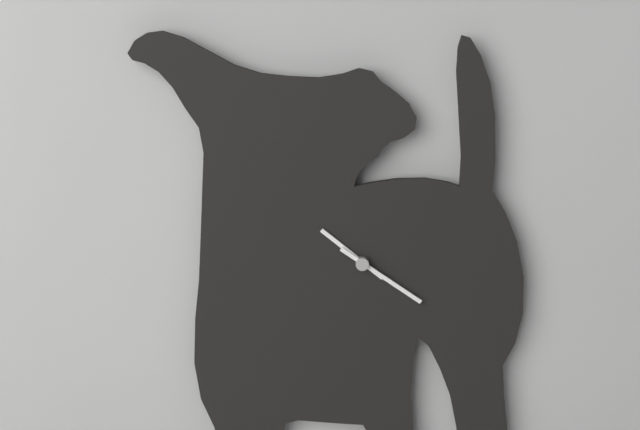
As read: 10:21
